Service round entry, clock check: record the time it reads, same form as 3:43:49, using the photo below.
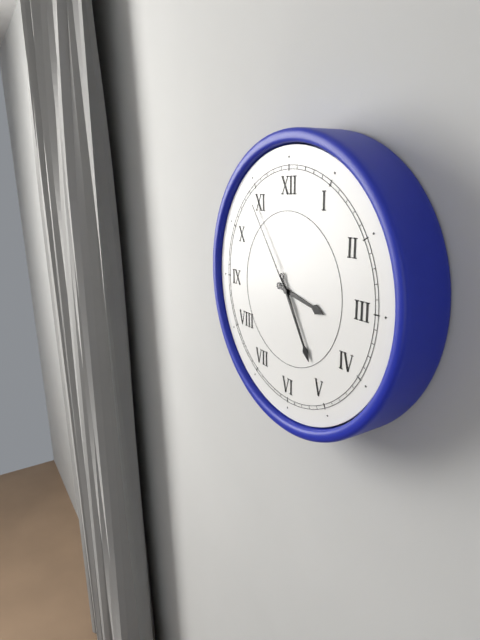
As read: 3:25:54
